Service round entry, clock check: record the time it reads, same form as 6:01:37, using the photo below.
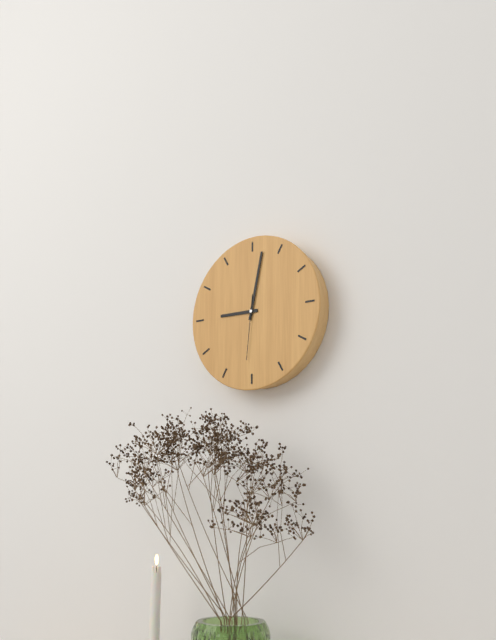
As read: 9:02:31
